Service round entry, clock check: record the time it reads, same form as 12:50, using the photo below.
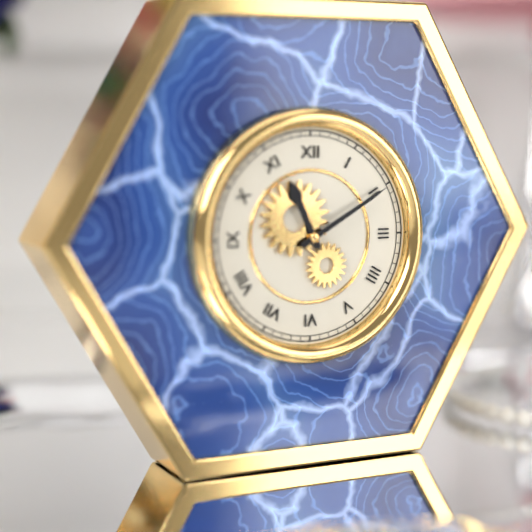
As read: 11:10
